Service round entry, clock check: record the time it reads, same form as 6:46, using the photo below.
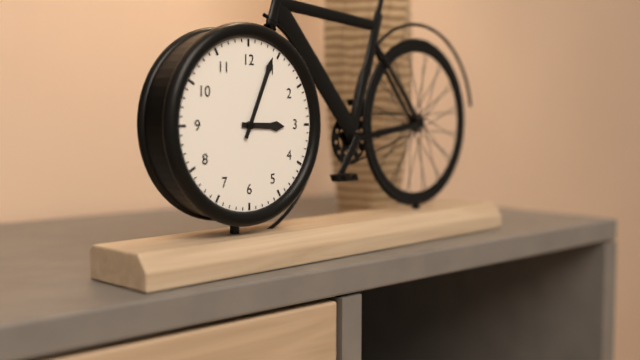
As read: 3:04
